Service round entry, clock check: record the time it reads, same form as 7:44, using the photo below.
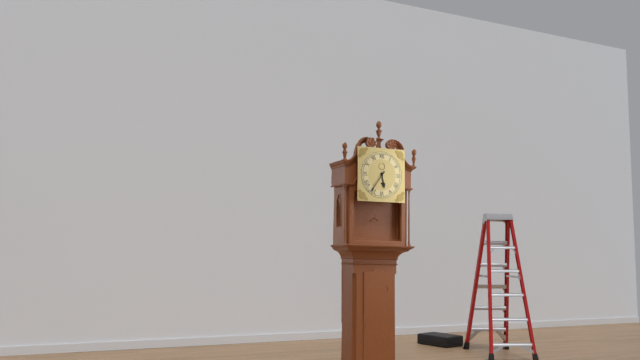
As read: 5:36
